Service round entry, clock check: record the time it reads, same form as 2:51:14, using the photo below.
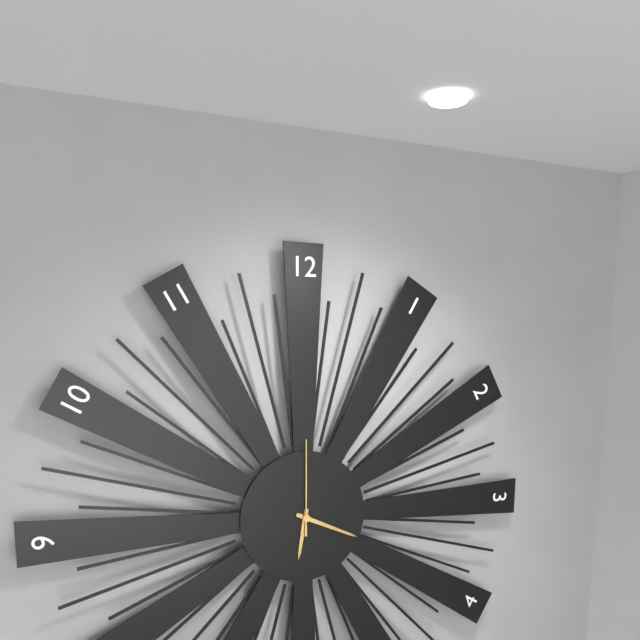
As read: 6:19:00
